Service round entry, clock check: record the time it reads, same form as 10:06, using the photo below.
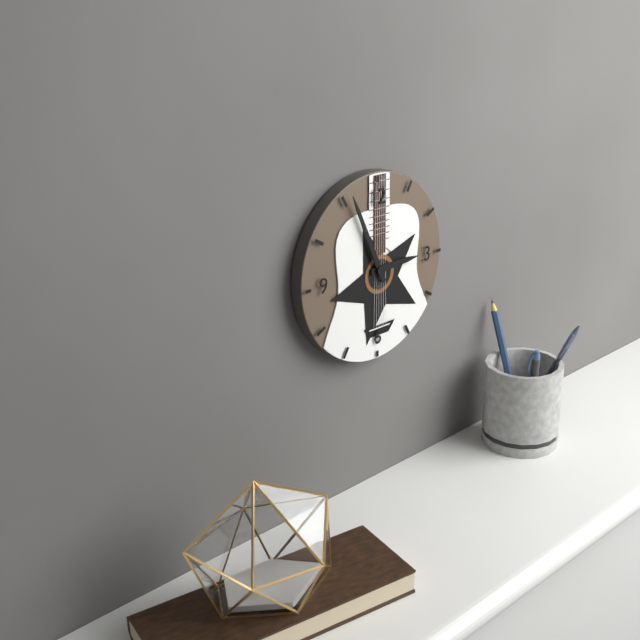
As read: 2:56
